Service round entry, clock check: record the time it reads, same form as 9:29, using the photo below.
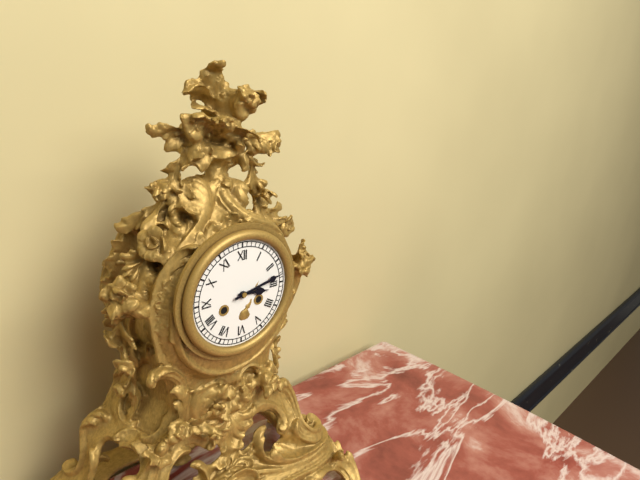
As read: 3:13
